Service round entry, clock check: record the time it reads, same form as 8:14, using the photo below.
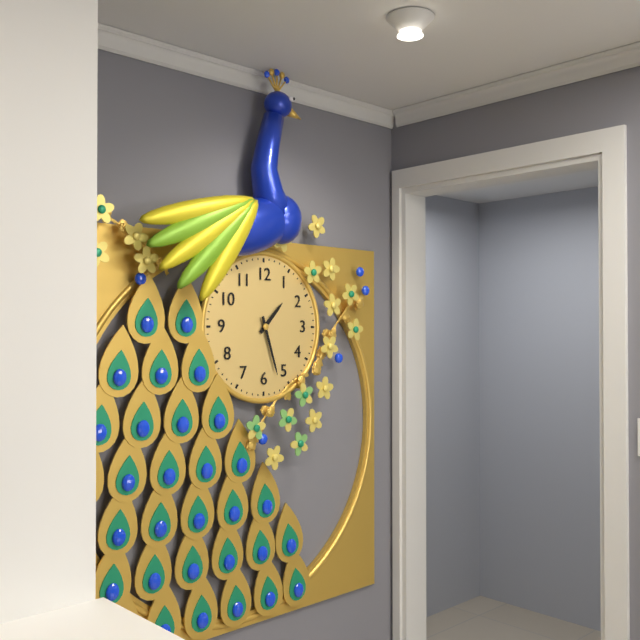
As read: 1:27
